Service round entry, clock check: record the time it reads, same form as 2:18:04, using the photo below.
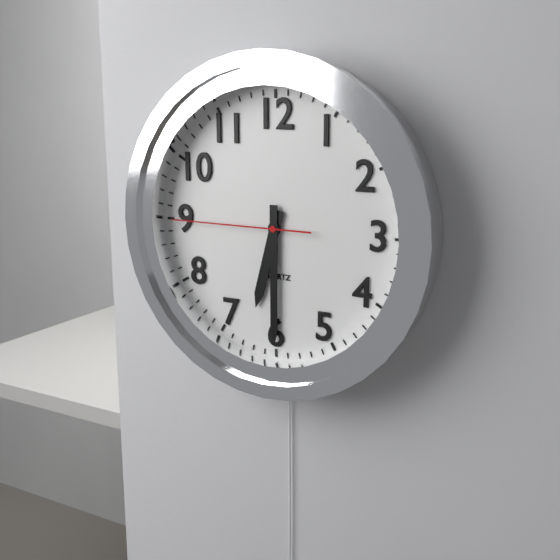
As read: 6:30:45
